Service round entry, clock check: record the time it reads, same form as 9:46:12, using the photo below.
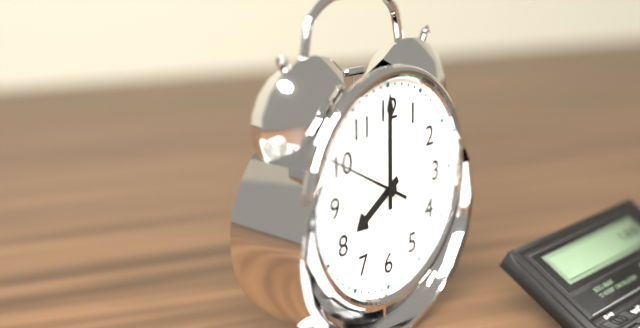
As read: 8:00:50
